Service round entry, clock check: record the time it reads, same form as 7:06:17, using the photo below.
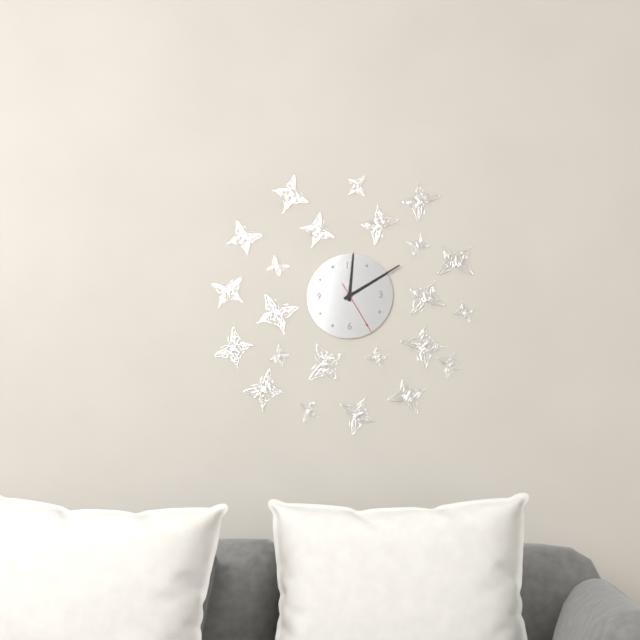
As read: 12:10:25
